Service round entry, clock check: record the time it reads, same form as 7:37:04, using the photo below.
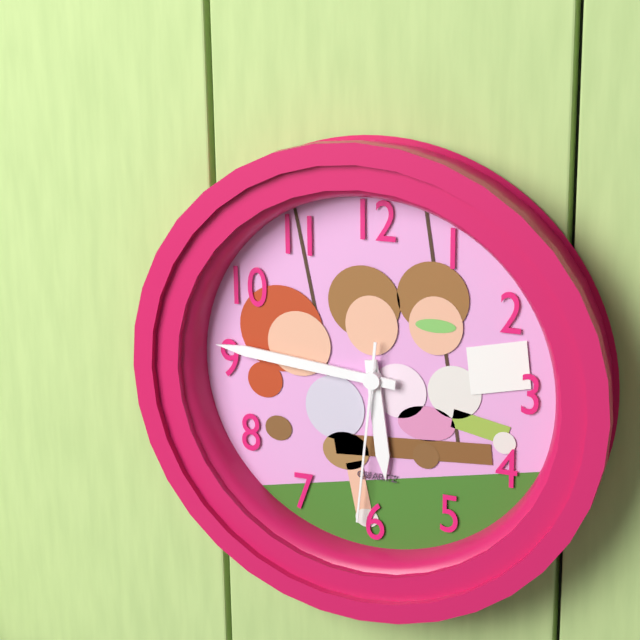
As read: 5:46:31
